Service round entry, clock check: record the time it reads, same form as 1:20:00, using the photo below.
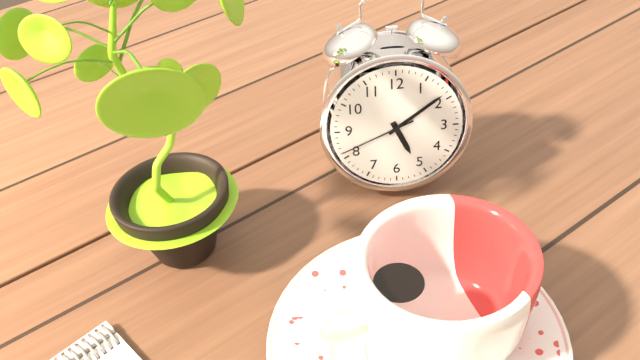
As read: 5:09:41
